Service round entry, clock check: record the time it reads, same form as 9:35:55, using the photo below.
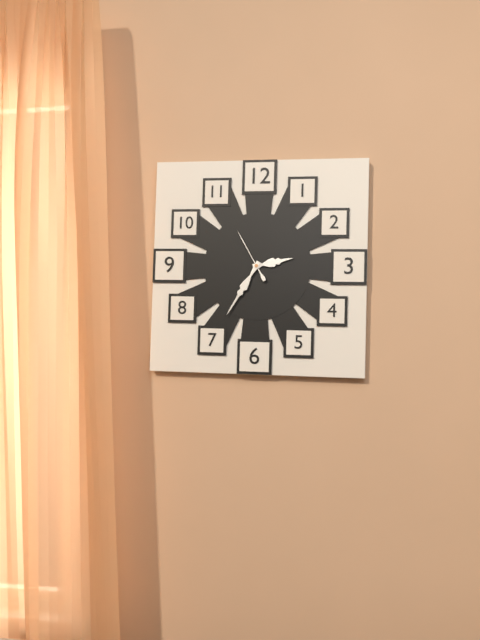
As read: 2:35:55
